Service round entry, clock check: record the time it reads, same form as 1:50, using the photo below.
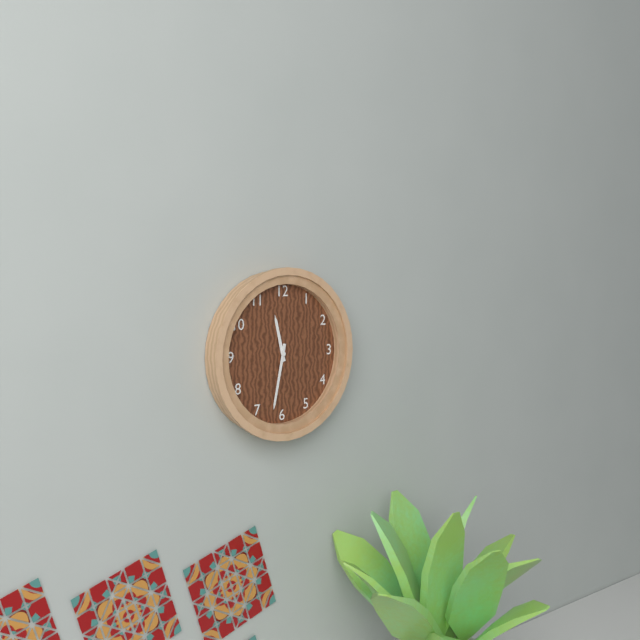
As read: 11:32
